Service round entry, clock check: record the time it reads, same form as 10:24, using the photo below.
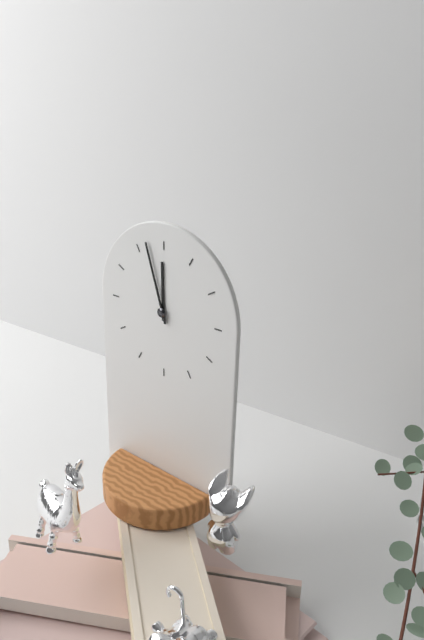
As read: 11:57
